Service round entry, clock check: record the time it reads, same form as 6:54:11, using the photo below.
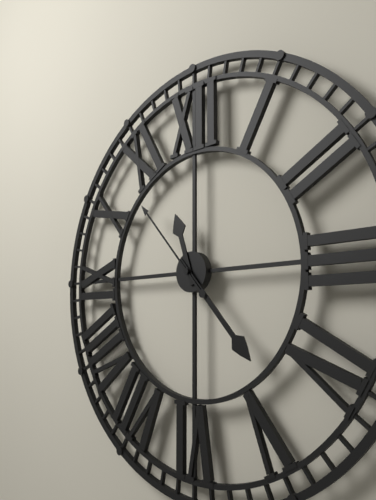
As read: 11:23:53
